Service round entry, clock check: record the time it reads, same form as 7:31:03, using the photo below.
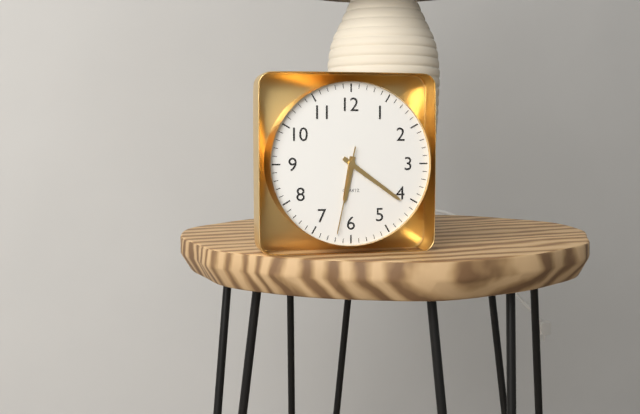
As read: 6:21:32
